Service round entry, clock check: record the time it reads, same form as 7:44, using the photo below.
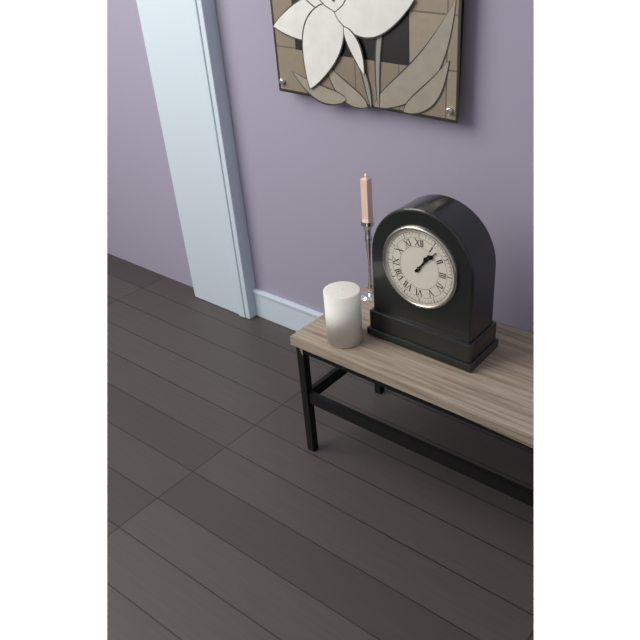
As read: 1:07
